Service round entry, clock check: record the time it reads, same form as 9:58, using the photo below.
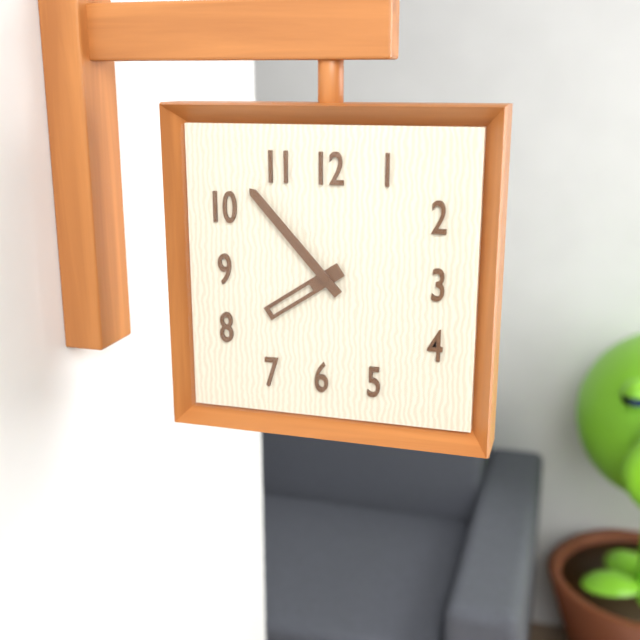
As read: 7:53
